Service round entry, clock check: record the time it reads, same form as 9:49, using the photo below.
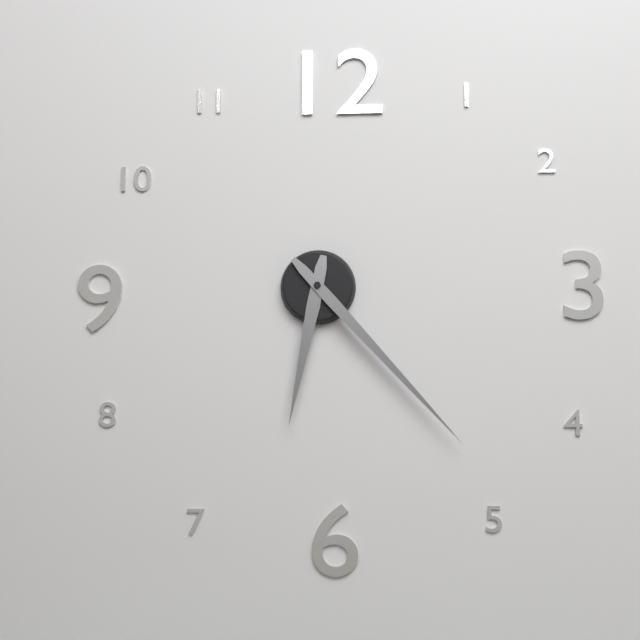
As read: 6:23
